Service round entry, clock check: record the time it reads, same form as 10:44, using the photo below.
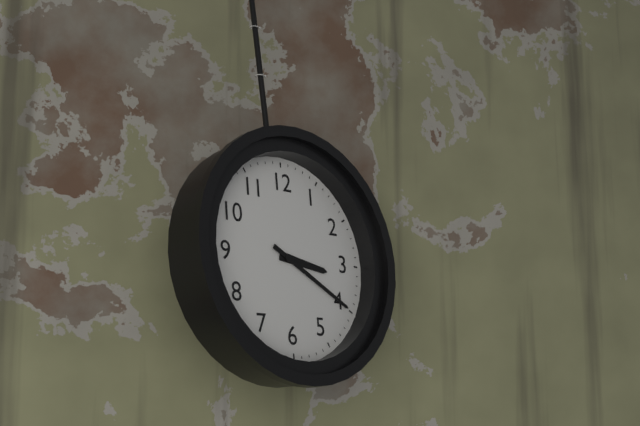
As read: 3:20
